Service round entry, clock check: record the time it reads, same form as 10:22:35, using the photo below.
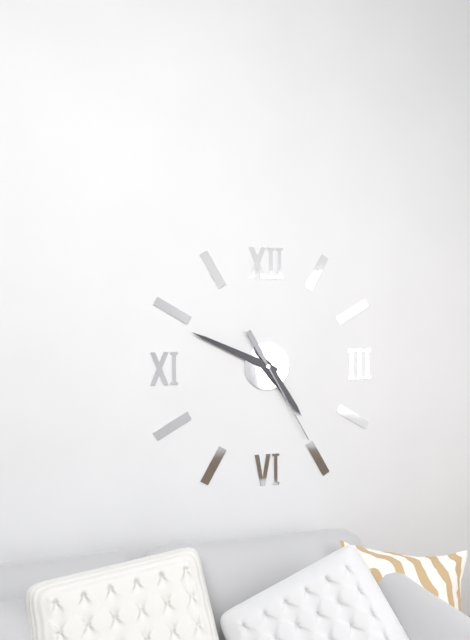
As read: 4:49:25
